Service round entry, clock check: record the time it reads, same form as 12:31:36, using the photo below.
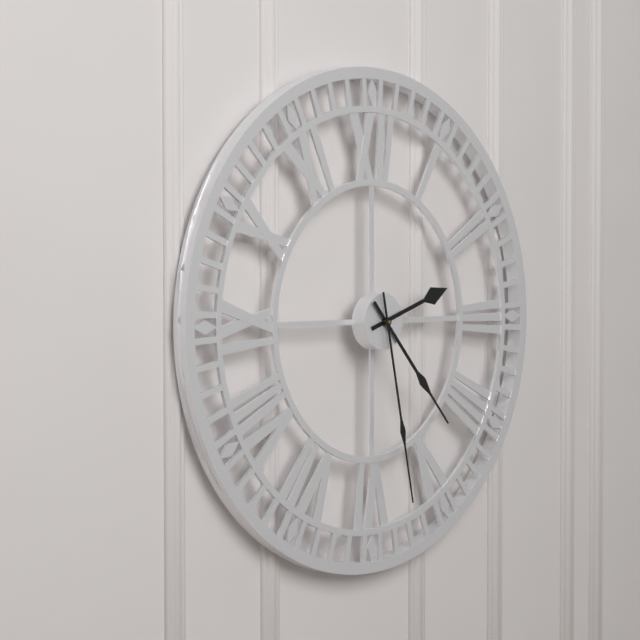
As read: 2:23:28
